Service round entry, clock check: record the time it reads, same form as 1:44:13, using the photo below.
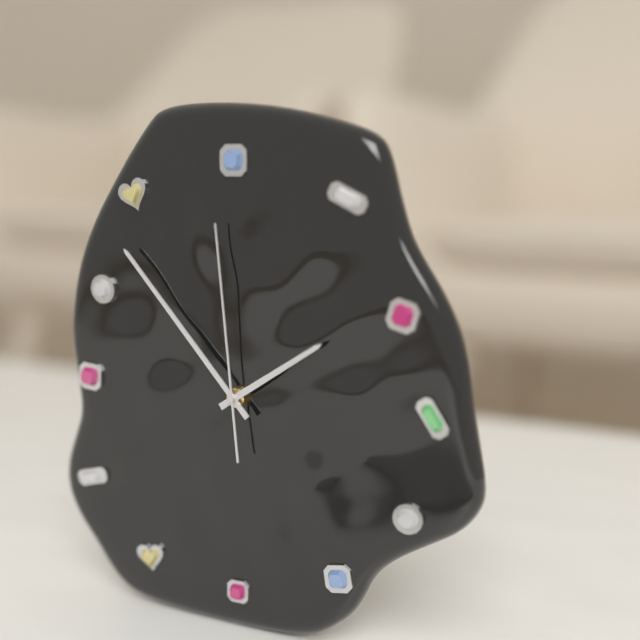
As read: 1:53:59
